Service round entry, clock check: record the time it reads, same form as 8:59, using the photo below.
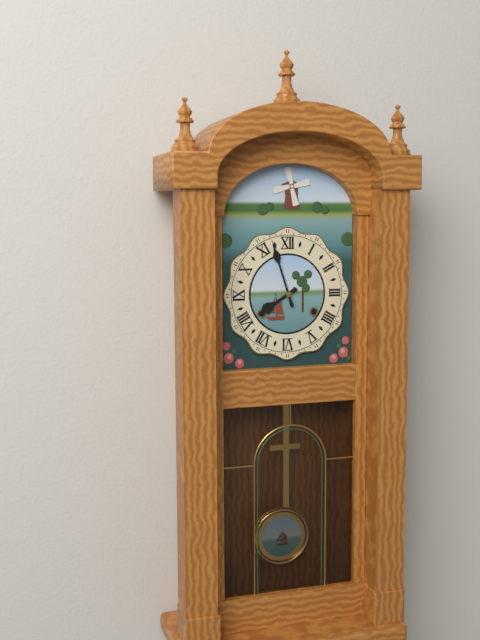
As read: 7:57
